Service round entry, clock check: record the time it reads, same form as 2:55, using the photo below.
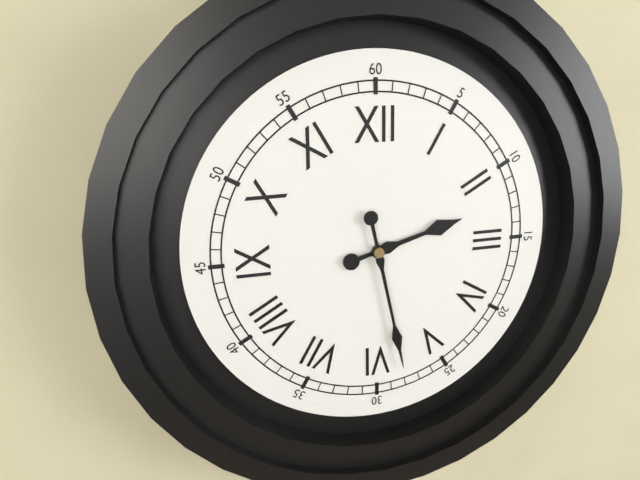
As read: 2:28
